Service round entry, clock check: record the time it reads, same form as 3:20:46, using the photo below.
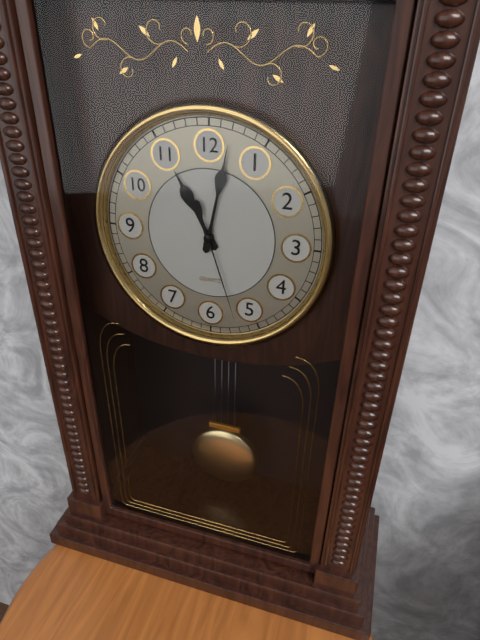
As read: 11:02:27
